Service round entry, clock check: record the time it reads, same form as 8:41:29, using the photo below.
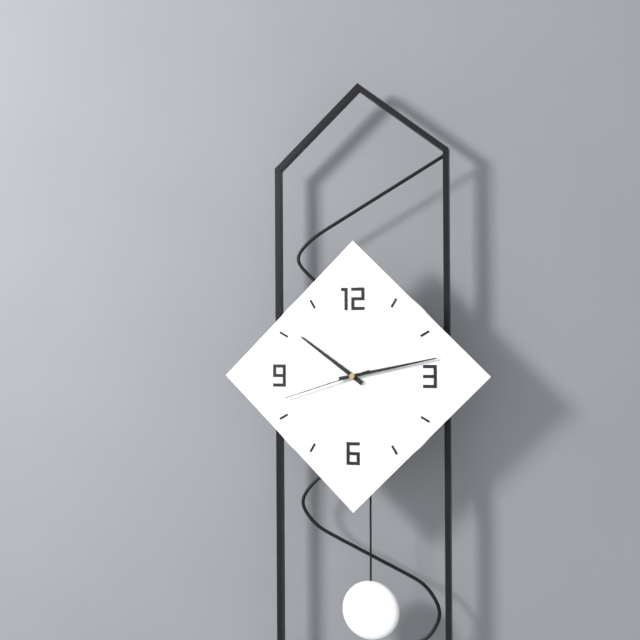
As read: 10:13:42
